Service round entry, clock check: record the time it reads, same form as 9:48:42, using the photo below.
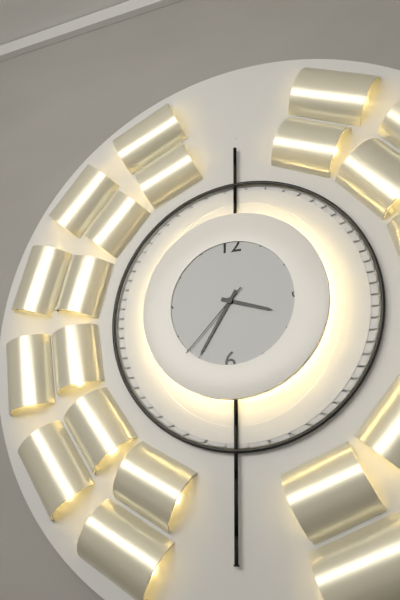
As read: 3:35:37
